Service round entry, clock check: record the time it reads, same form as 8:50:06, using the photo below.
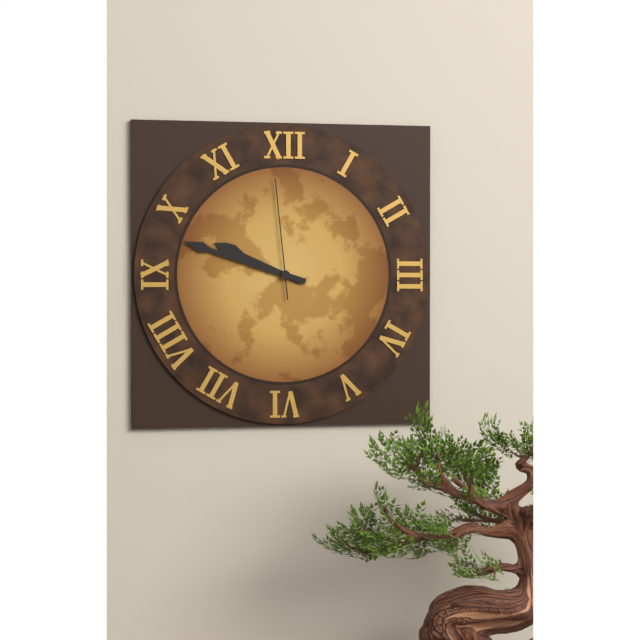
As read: 9:48:59
